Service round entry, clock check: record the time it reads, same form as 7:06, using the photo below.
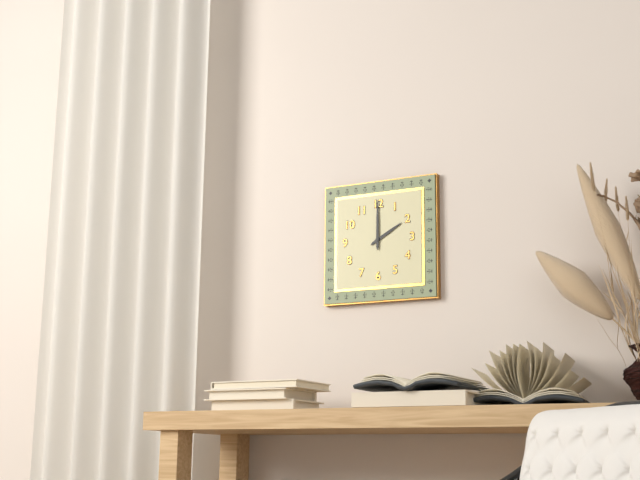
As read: 2:00
